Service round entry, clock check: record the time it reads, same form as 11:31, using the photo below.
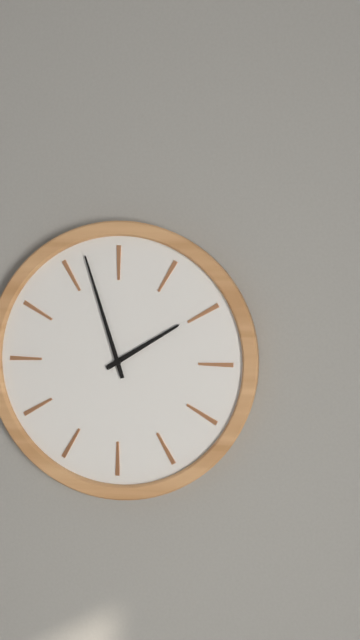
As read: 1:57
